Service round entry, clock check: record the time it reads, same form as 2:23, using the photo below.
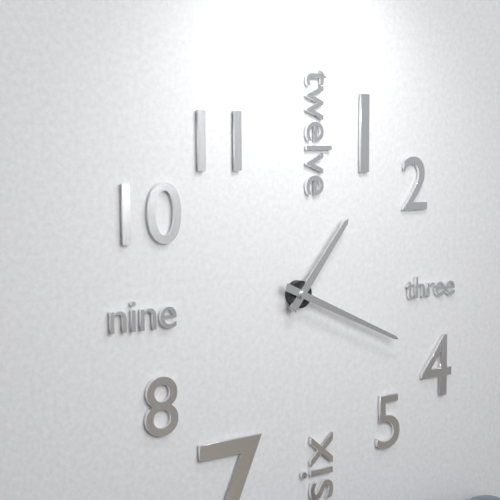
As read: 1:19
